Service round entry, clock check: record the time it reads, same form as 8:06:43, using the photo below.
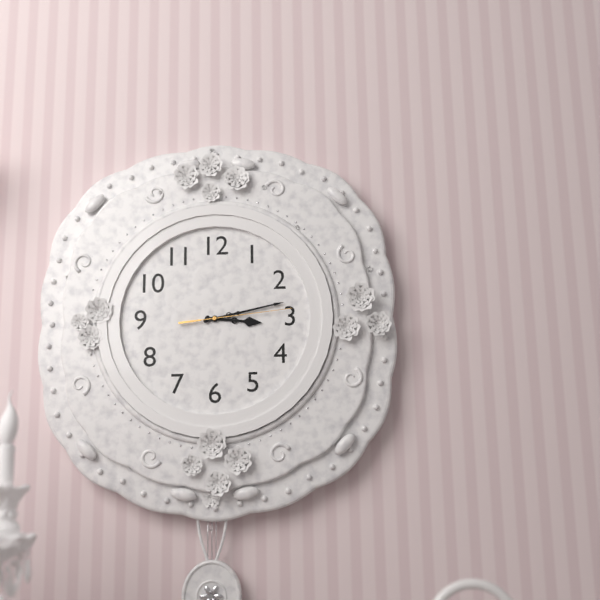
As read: 3:13:14
